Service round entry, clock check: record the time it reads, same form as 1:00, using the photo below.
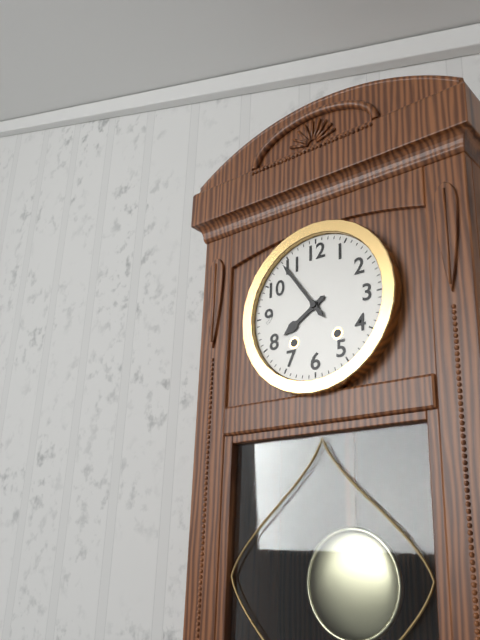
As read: 7:54
